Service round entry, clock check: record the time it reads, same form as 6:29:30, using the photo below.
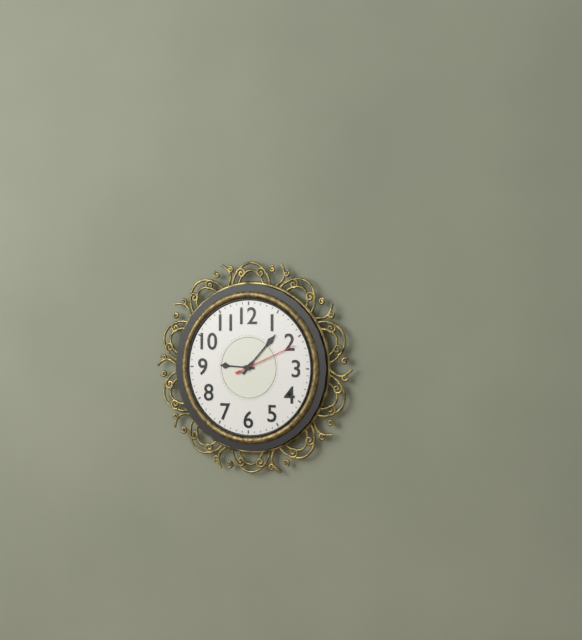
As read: 9:07:11
